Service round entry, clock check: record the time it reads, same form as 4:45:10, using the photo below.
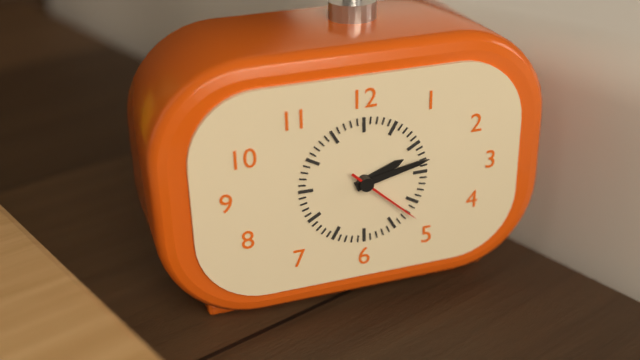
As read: 2:13:22
